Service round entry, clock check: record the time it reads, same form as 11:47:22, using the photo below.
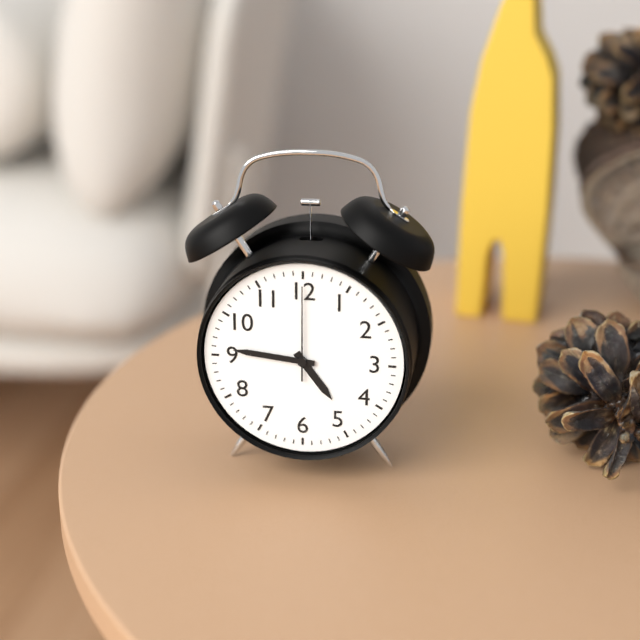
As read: 4:46:00
